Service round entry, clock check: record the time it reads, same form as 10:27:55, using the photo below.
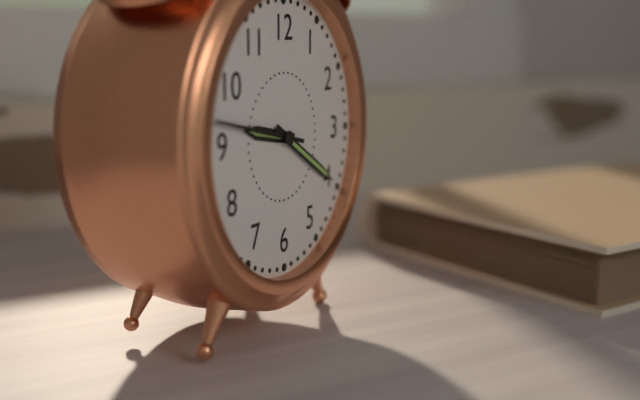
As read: 9:20:47
